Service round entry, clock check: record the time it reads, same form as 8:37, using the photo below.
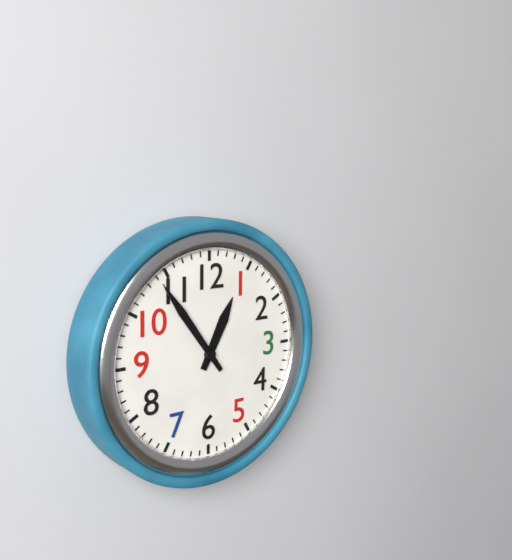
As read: 12:54
